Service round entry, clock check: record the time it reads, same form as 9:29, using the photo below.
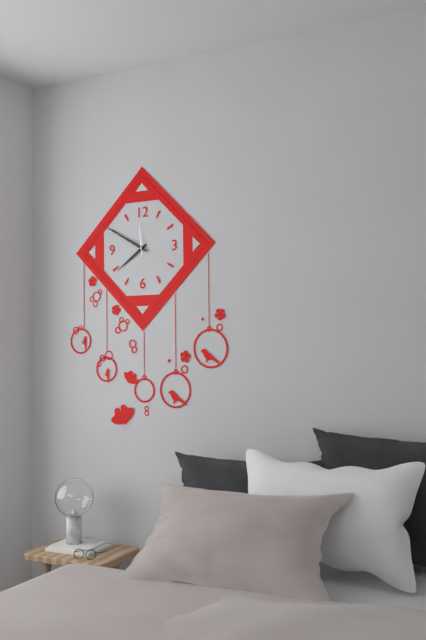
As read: 7:50
